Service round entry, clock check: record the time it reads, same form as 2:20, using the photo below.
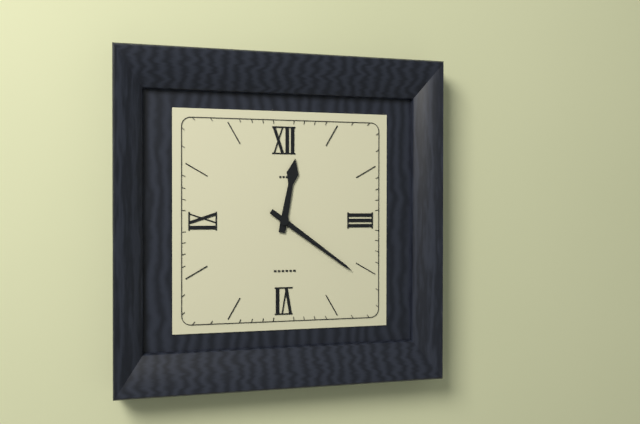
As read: 12:21
